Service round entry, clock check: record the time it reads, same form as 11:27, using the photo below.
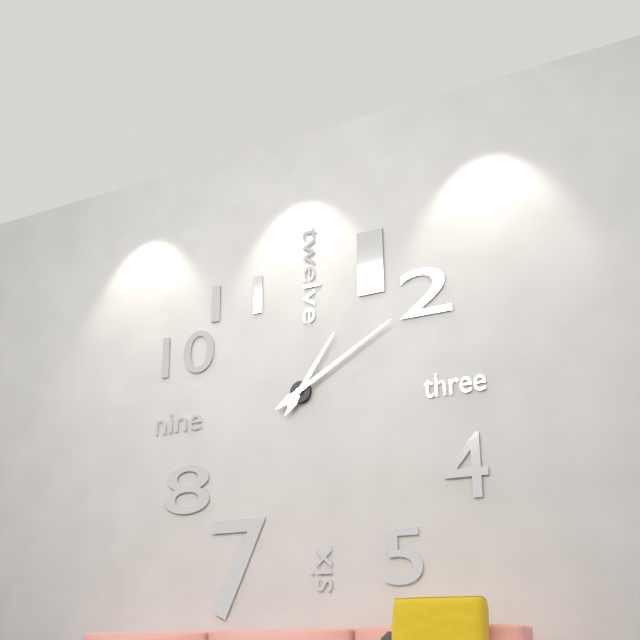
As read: 1:10
